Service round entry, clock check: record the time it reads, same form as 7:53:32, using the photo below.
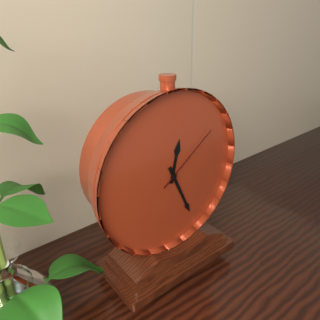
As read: 12:26:09
